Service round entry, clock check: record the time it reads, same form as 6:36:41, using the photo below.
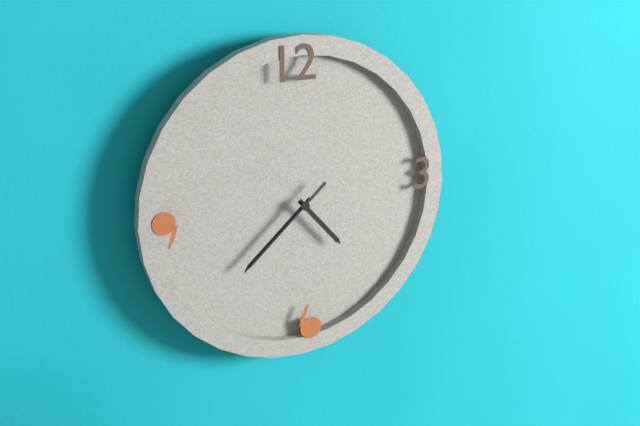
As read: 4:38:38
